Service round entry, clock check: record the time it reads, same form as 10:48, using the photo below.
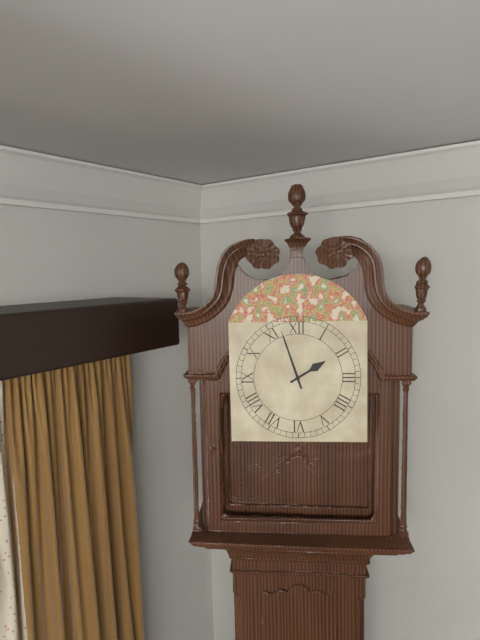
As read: 1:57
